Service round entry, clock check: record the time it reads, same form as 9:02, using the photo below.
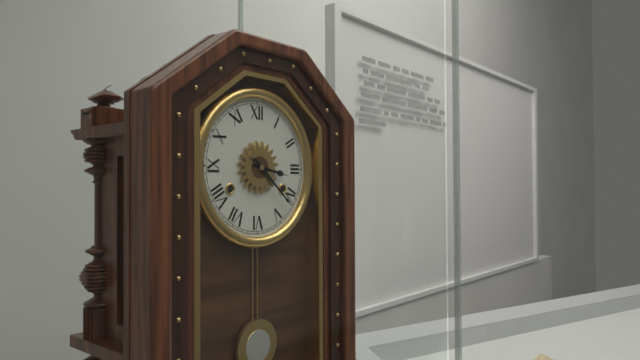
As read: 3:22
